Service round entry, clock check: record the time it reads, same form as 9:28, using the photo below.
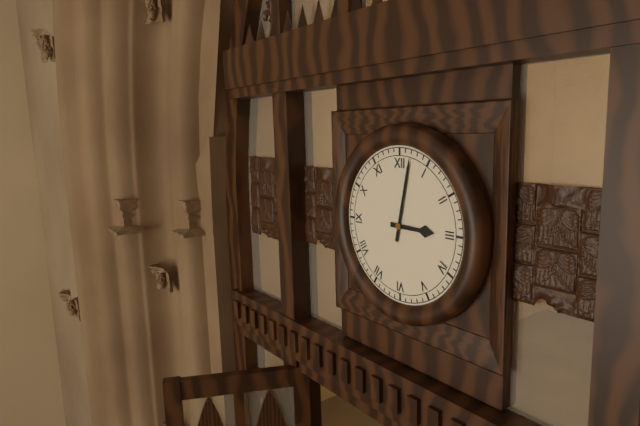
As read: 3:02
